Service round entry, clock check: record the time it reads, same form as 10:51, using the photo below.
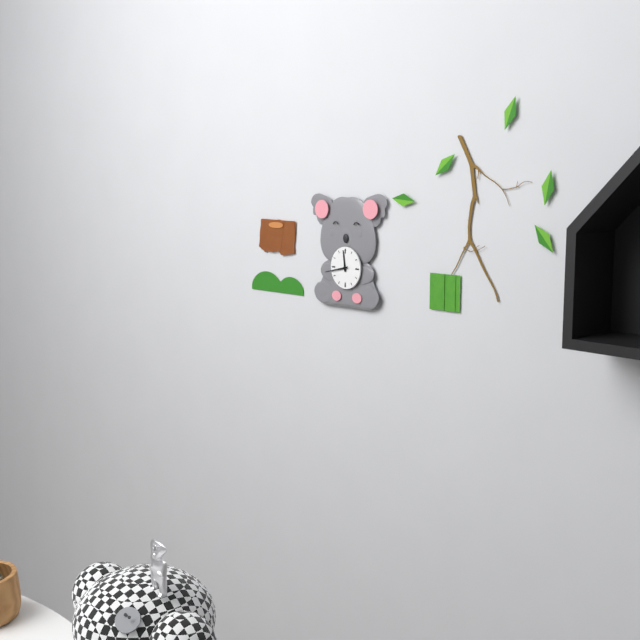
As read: 11:43
